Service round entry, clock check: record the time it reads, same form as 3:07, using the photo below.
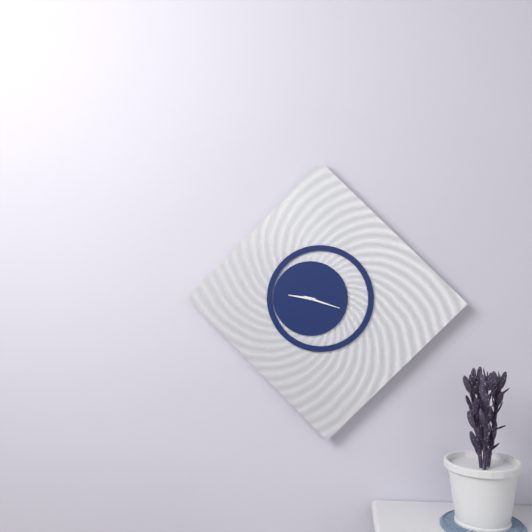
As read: 9:18
